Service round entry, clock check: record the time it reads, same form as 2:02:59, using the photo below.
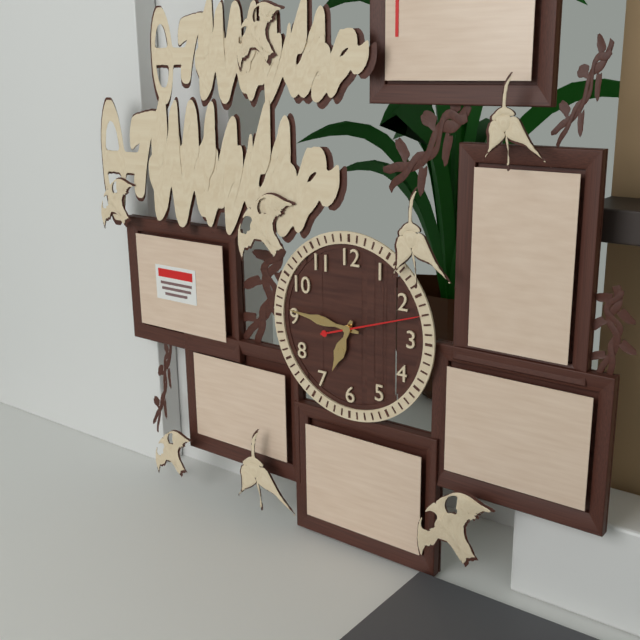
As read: 6:46:12
